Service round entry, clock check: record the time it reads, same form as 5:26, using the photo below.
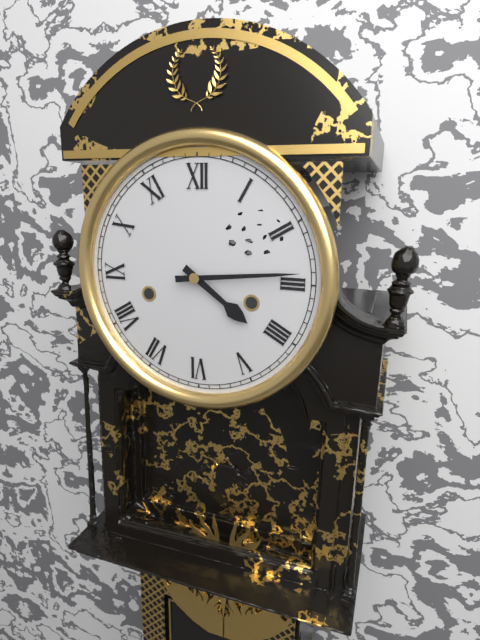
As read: 4:14
